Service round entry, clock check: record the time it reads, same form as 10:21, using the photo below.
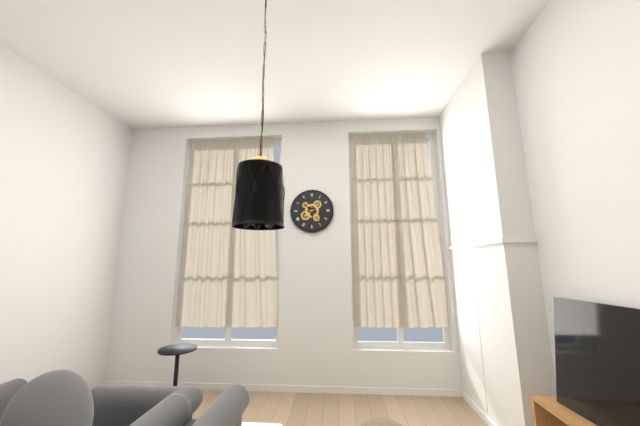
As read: 5:52
